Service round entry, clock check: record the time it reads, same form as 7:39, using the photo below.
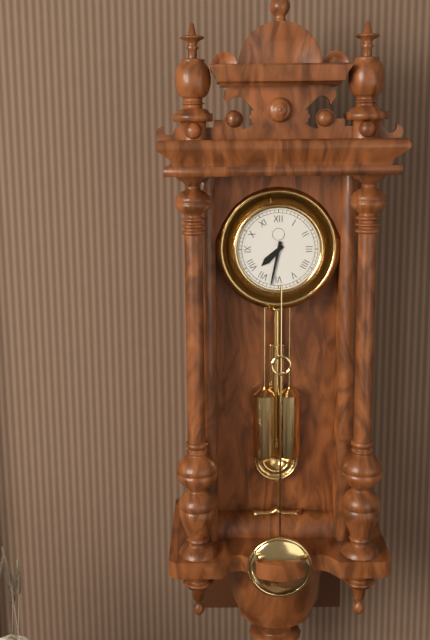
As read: 7:32
